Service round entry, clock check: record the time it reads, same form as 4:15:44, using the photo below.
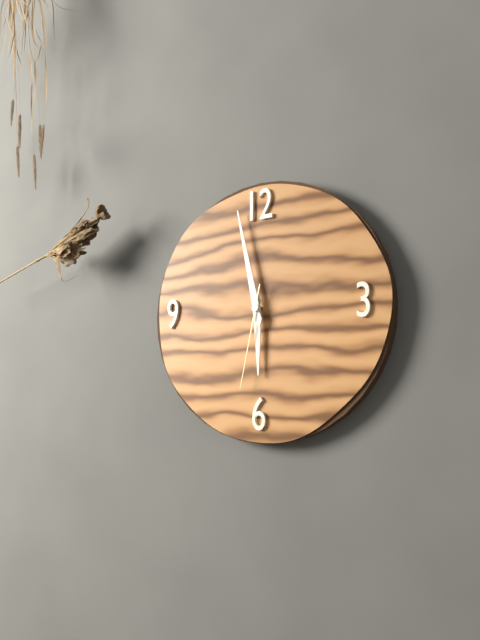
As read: 5:58:32
